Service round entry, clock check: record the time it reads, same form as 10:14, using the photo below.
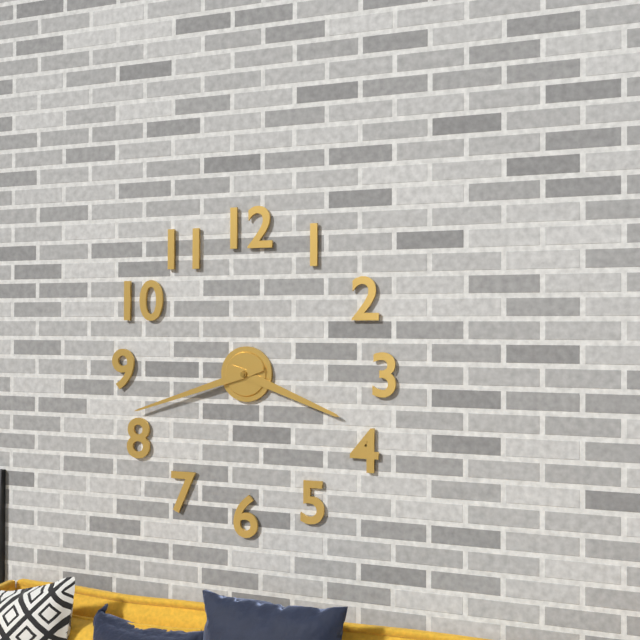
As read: 3:42
